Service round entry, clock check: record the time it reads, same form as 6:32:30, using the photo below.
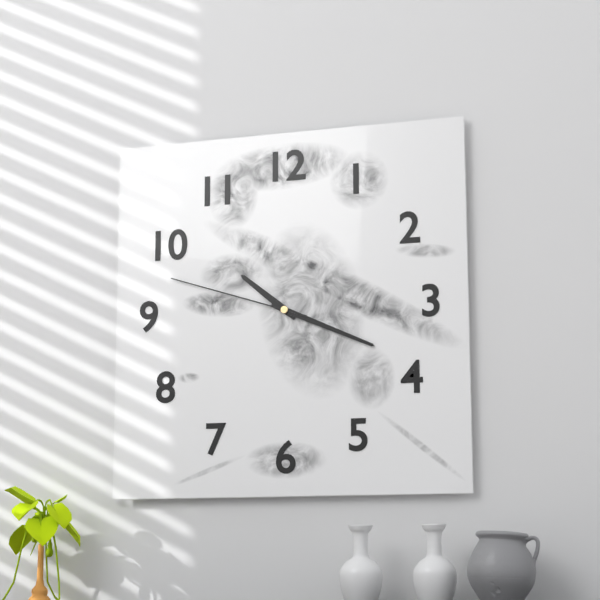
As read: 10:19:48
